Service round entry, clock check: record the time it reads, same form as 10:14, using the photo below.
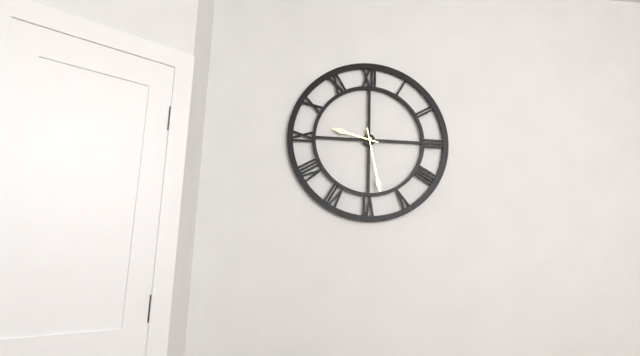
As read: 9:28
